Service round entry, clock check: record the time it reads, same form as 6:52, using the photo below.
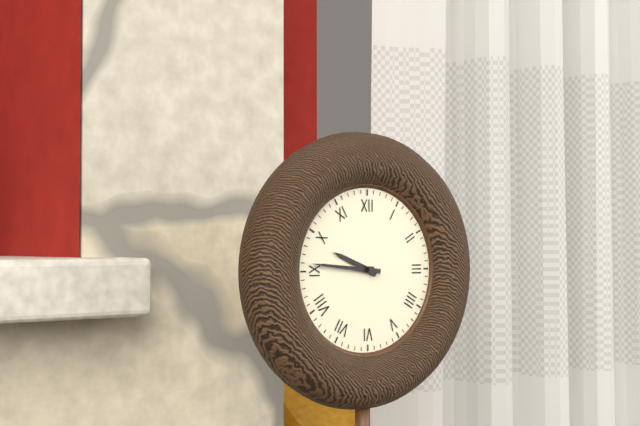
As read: 9:46
